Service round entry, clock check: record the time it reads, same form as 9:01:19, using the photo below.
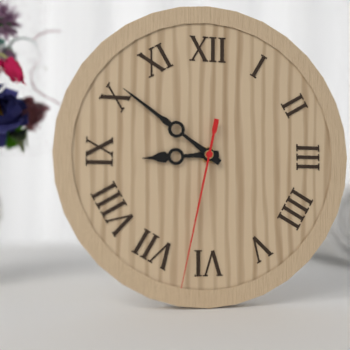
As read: 8:51:32
